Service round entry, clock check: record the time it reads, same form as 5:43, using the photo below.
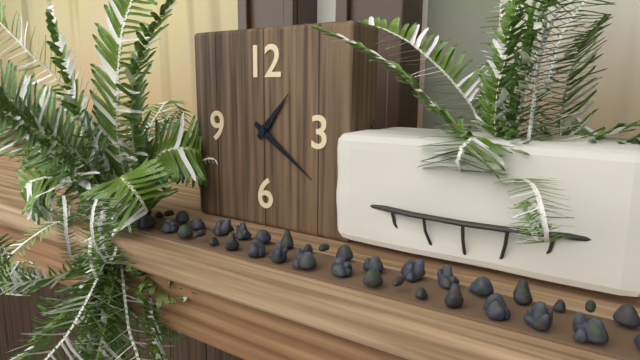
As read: 1:21
